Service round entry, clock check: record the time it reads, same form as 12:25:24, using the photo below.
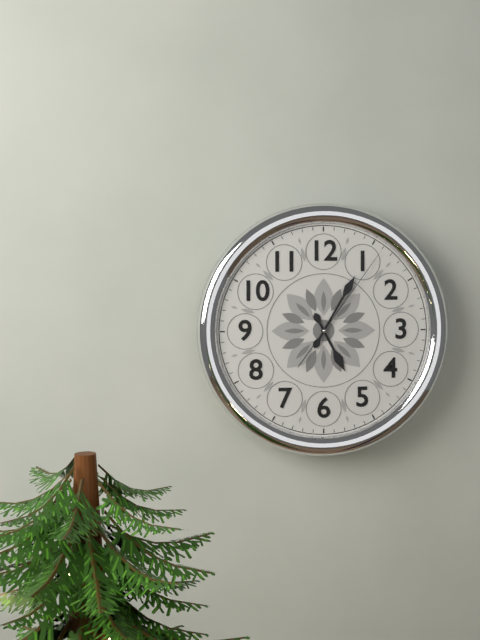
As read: 5:05:06
